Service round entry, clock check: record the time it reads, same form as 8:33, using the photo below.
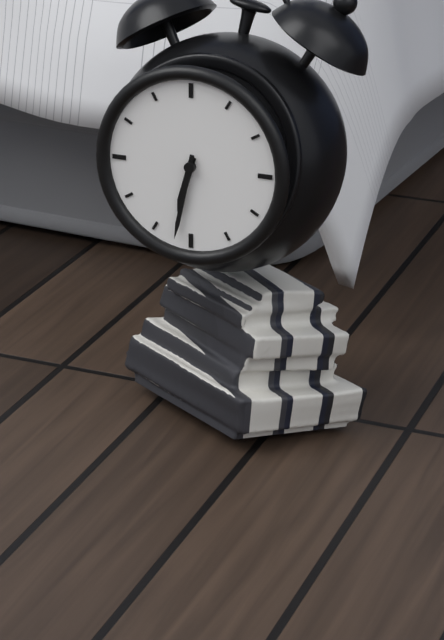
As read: 6:32
